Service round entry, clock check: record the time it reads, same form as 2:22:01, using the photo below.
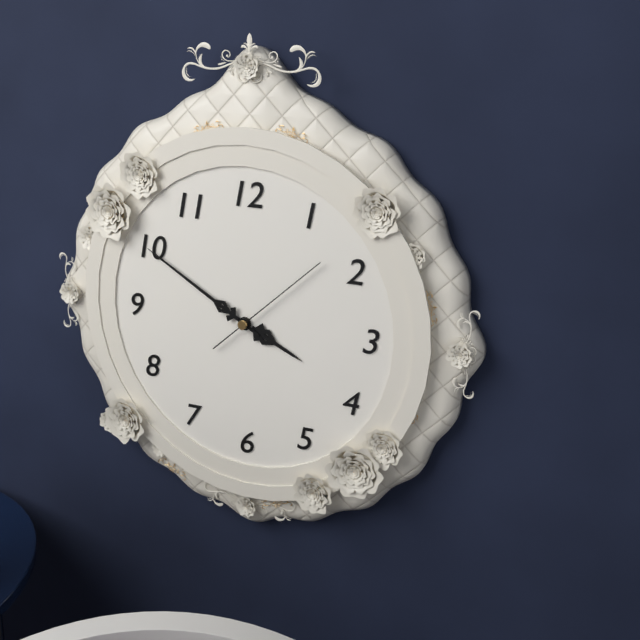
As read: 3:50:08
